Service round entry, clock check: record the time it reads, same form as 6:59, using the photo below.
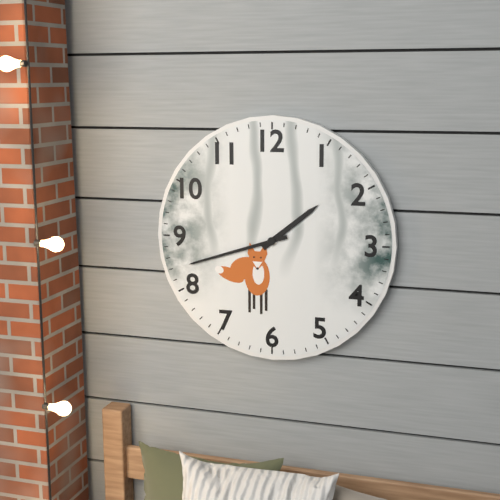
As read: 1:42
